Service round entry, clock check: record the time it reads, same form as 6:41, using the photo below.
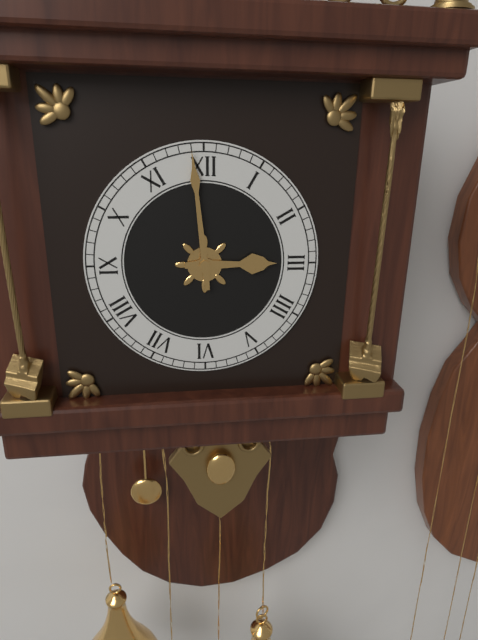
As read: 2:59
